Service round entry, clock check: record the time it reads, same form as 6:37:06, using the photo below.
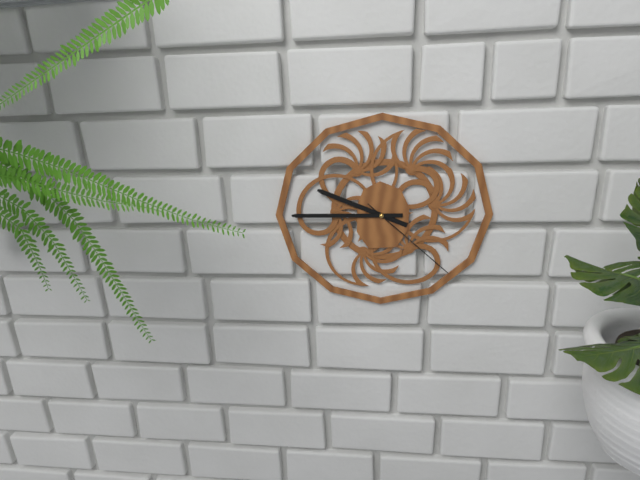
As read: 9:45:22
